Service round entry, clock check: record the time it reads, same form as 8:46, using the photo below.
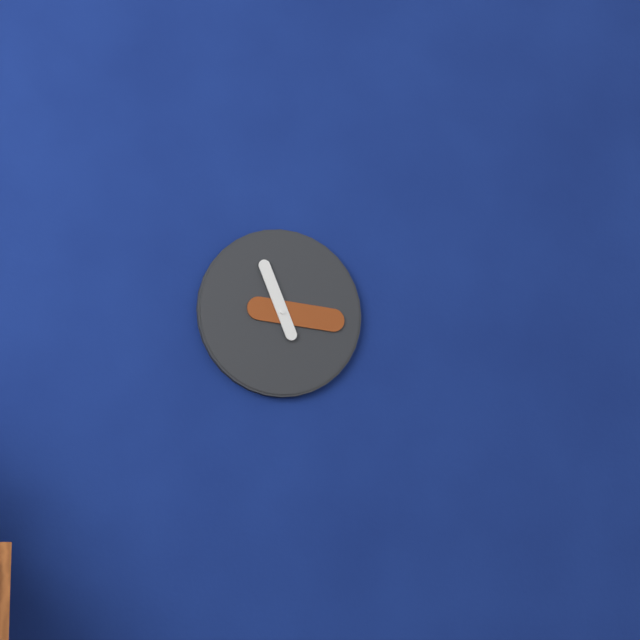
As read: 11:16
